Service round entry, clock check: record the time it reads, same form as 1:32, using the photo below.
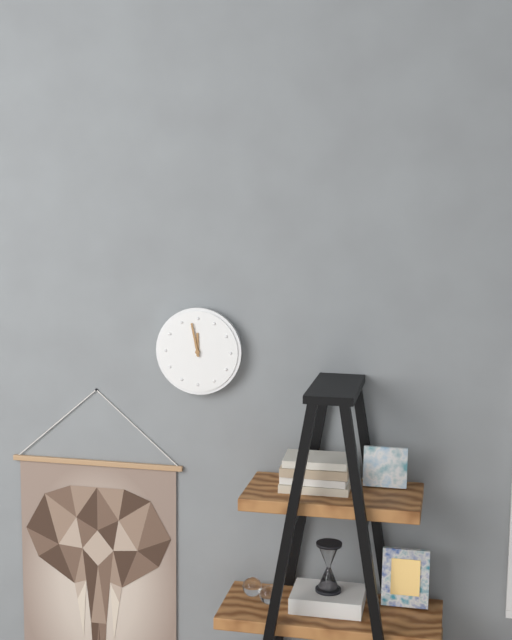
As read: 11:58
